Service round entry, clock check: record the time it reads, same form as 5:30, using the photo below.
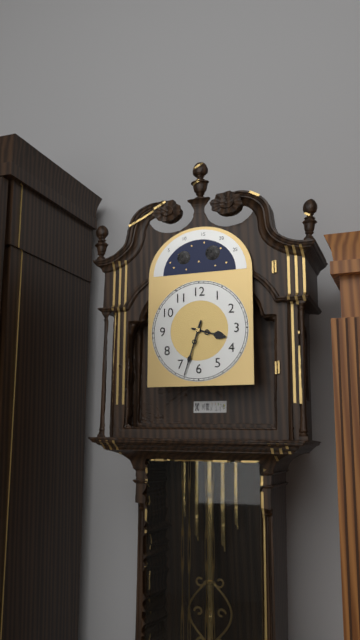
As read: 3:33
